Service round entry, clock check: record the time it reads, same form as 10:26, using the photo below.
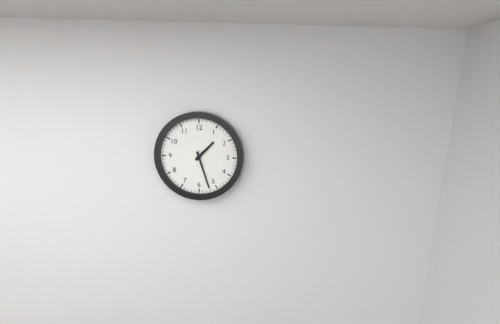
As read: 1:27
